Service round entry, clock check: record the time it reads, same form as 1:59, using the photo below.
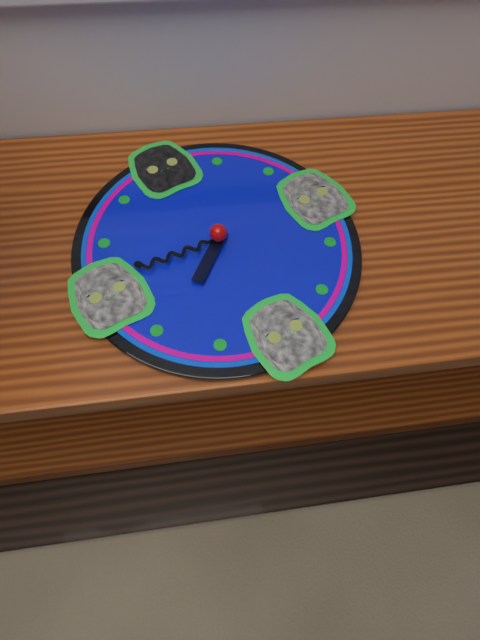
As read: 7:46
